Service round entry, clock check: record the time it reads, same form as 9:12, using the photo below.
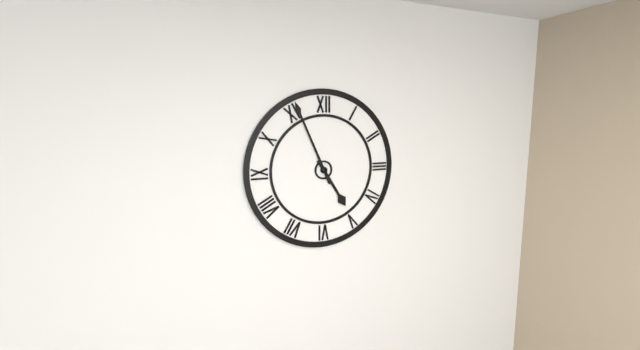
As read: 4:56
